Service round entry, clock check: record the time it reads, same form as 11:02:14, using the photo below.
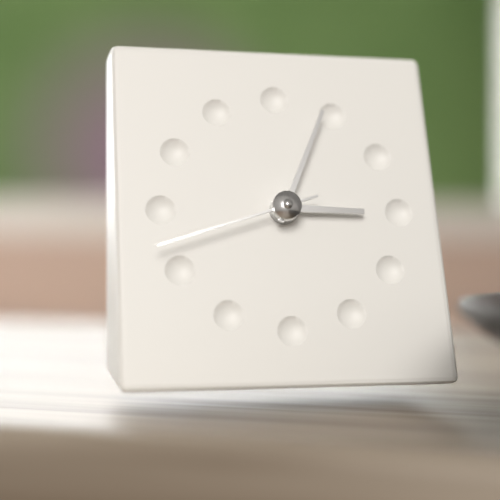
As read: 3:04:42
